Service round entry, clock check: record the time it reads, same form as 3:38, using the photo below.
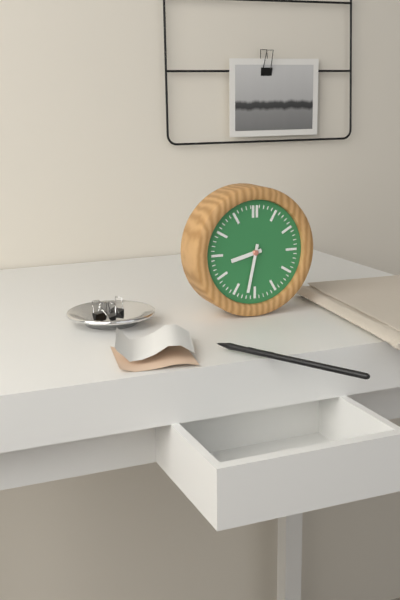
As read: 8:32
